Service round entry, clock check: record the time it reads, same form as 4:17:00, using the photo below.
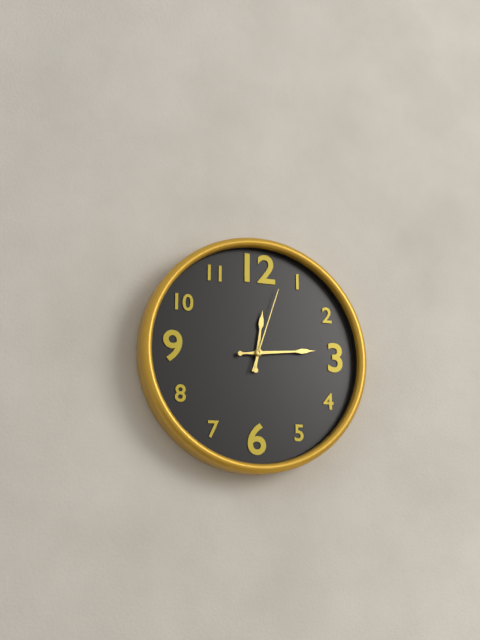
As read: 12:14:03
